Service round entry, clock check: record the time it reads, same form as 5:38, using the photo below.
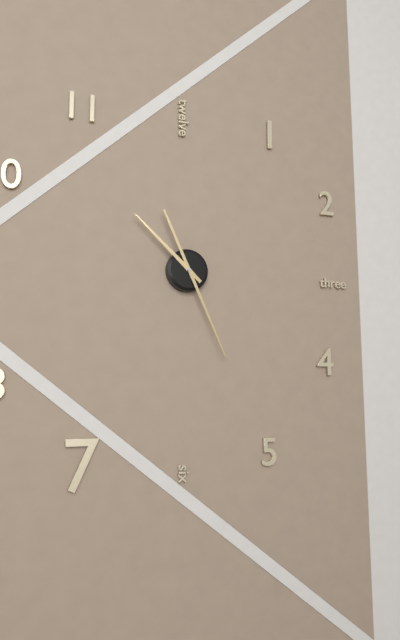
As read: 10:26
